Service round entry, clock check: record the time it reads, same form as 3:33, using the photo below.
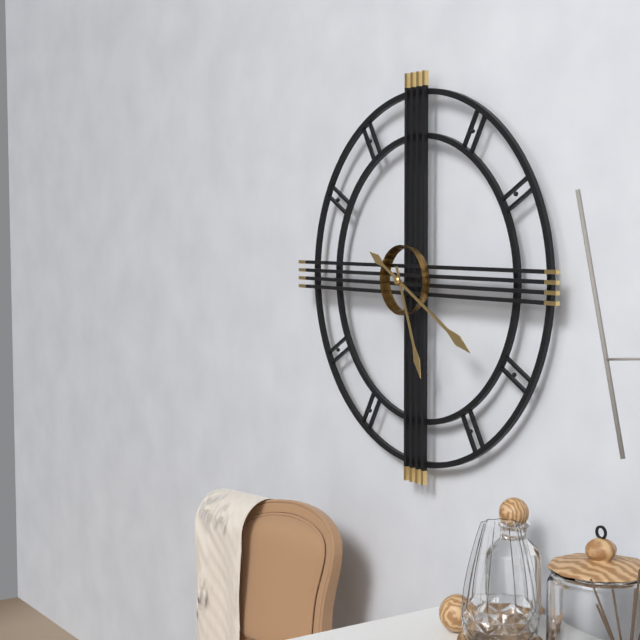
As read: 5:20
